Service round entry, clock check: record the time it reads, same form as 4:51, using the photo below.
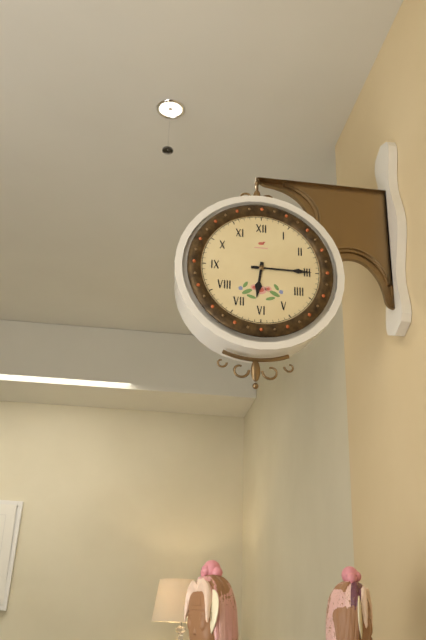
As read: 6:15
